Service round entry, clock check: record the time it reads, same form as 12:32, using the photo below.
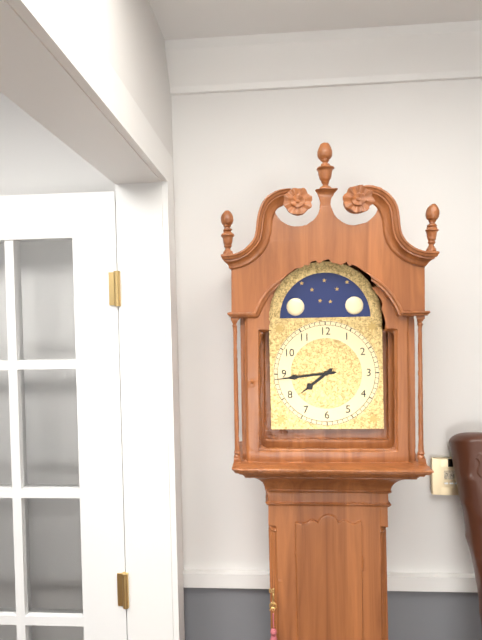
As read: 7:44
